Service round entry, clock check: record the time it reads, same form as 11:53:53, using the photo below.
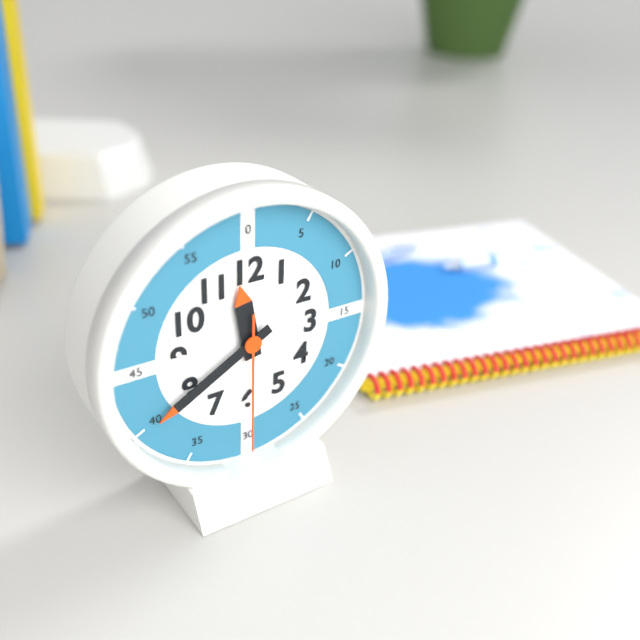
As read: 11:40:30
